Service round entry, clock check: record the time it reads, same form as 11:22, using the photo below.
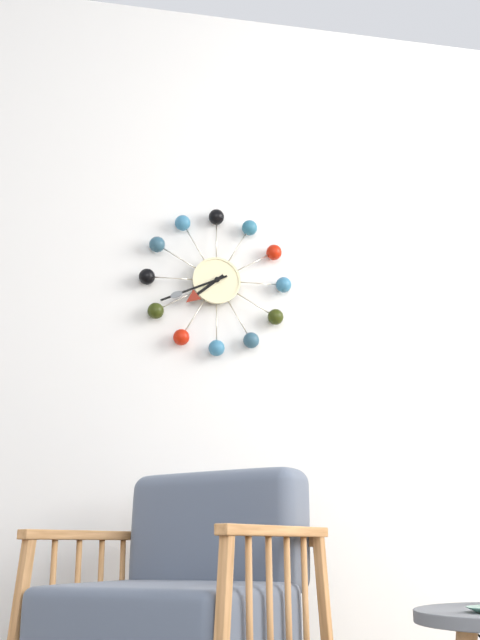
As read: 7:41
